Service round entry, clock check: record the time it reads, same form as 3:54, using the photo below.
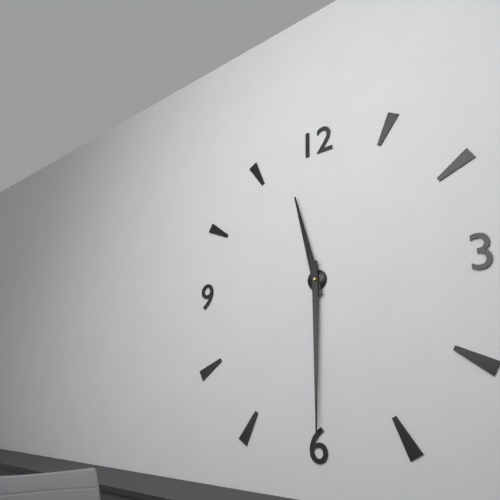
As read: 11:30
